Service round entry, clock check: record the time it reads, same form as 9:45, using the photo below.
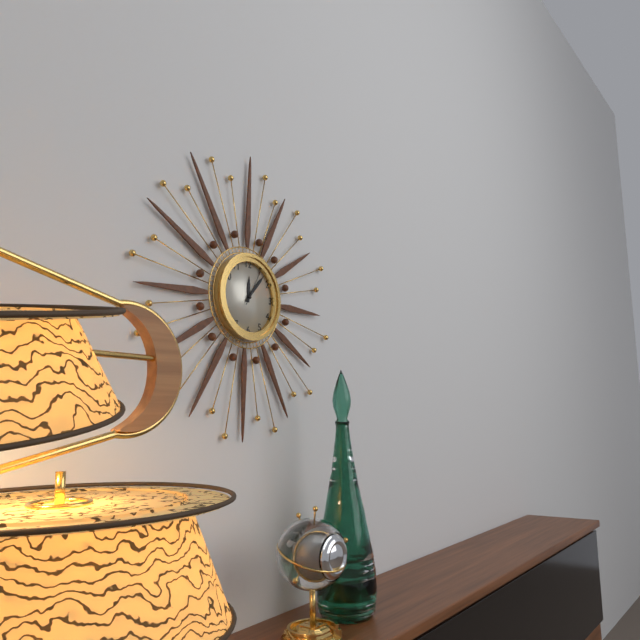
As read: 12:07
